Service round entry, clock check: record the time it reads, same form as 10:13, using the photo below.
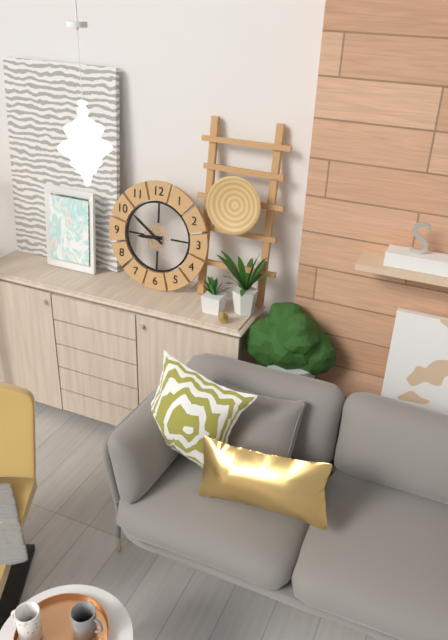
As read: 8:51
